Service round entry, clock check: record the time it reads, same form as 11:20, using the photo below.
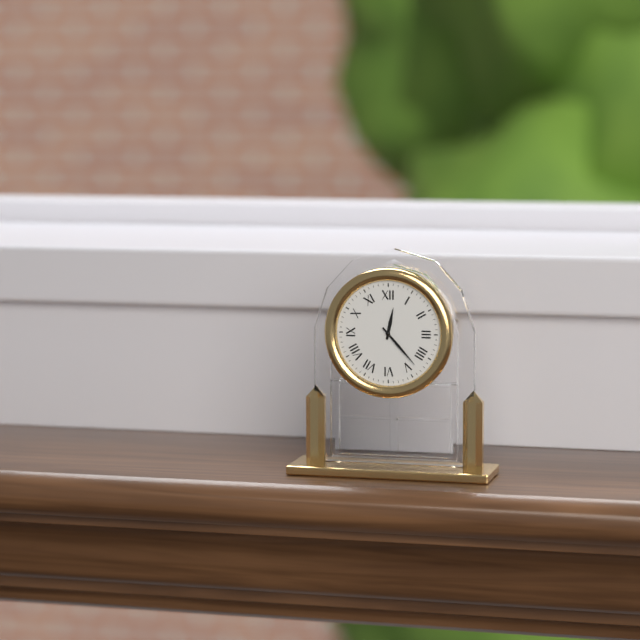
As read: 12:23
